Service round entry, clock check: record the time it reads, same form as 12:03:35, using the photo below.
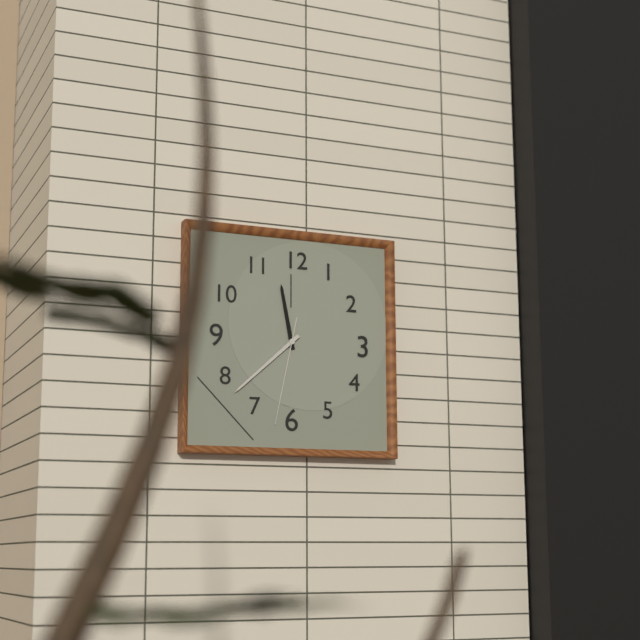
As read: 11:38:32
